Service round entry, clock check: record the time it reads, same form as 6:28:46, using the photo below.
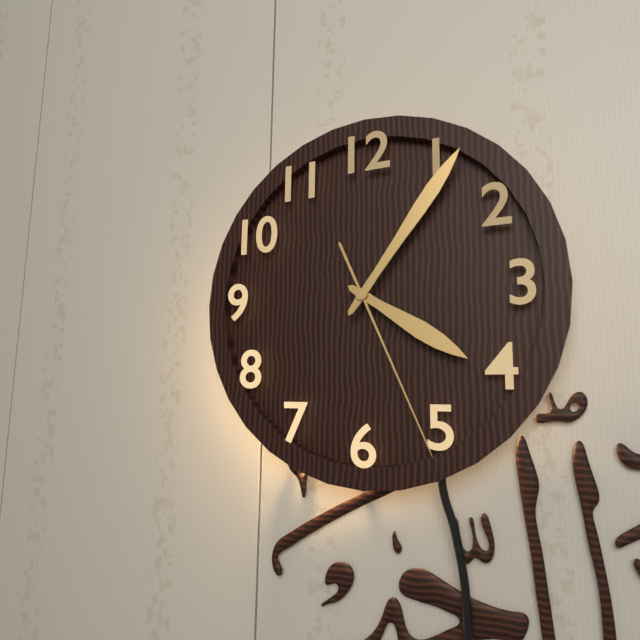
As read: 4:06:26
